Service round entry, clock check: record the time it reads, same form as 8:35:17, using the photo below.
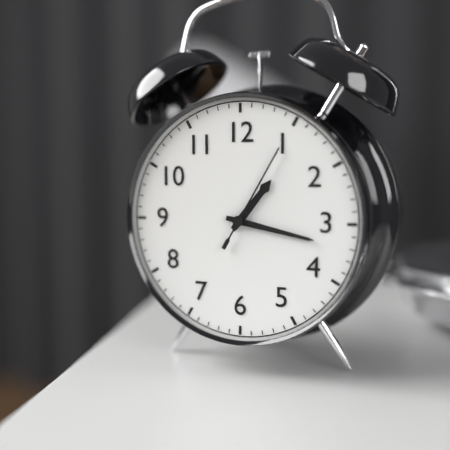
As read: 1:17:05
